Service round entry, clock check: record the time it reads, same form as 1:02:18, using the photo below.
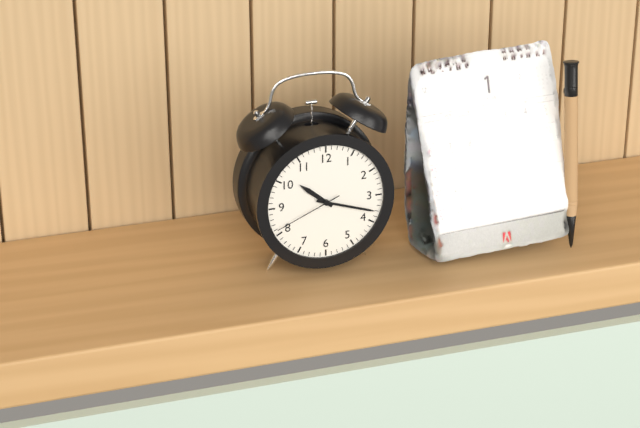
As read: 10:18:41
